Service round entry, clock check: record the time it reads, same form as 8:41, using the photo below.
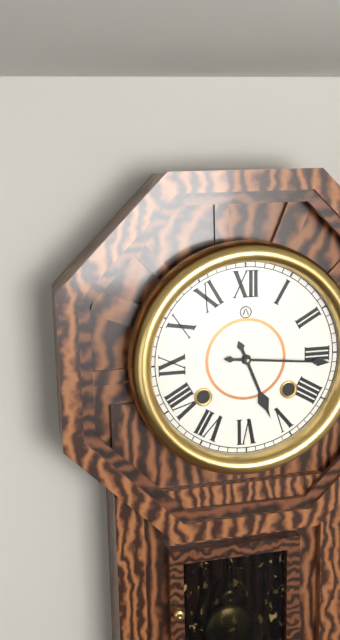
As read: 5:16
